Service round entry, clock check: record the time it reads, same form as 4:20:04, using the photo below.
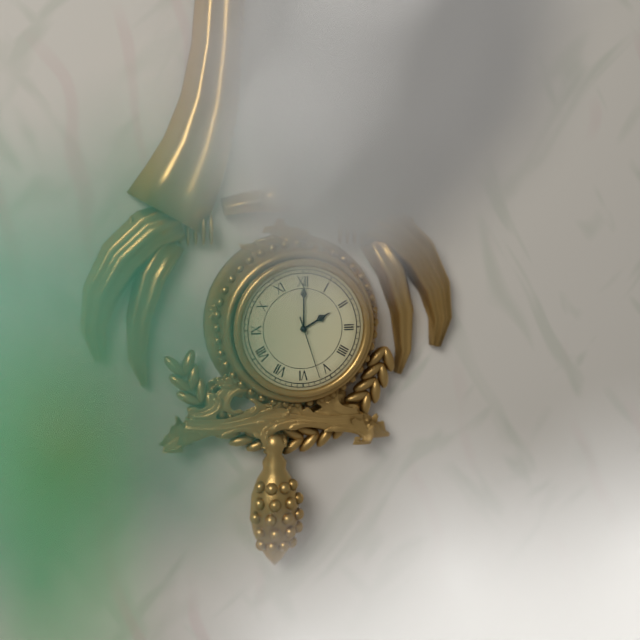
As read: 2:00:27
